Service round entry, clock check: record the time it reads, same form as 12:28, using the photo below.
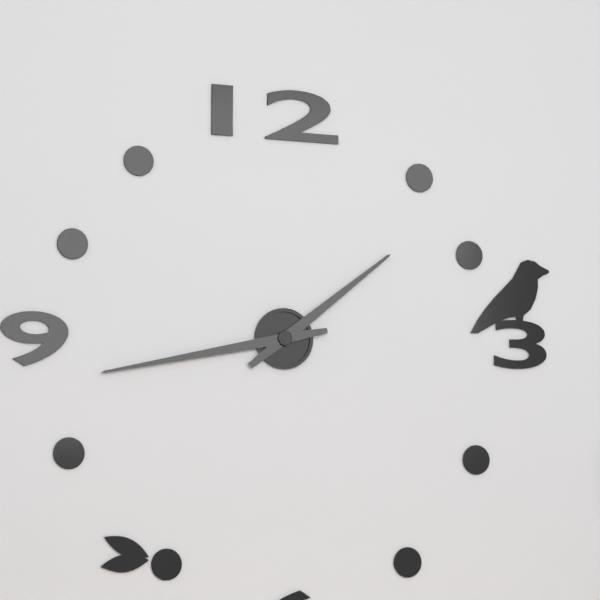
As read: 1:43
